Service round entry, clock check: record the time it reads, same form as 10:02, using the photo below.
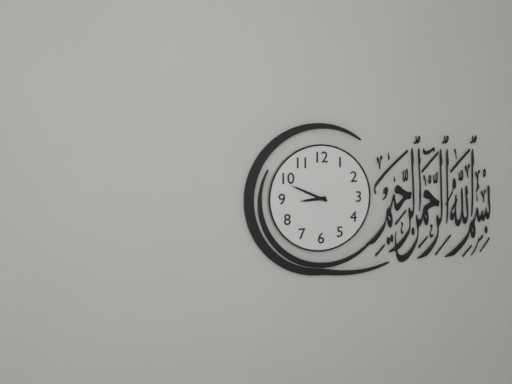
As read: 8:49
